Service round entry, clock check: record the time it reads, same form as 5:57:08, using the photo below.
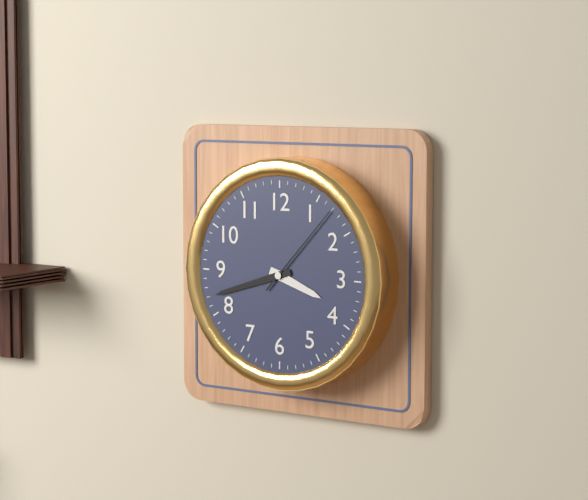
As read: 3:42:07
